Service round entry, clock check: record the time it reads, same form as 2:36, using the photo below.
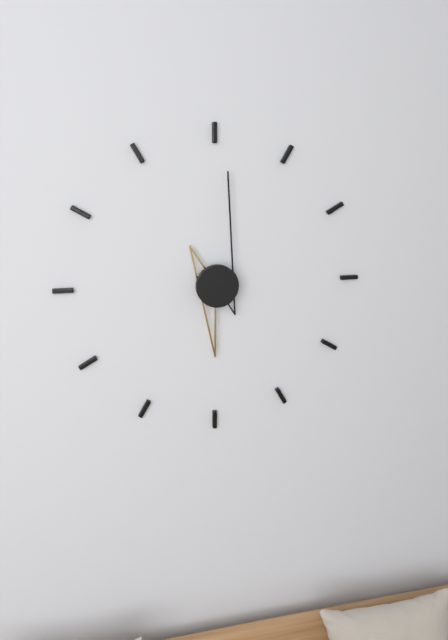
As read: 6:01
